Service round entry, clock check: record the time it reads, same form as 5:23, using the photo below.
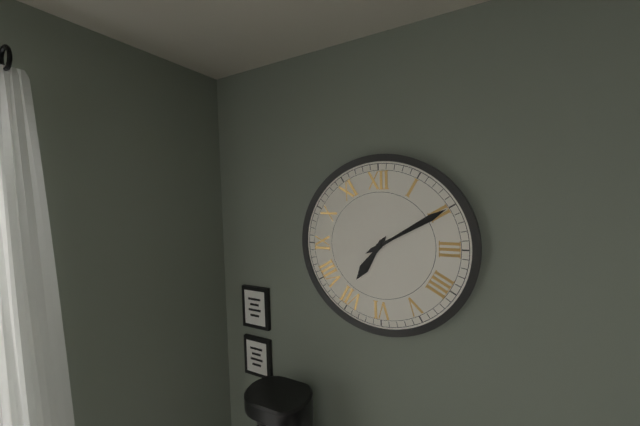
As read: 7:10
